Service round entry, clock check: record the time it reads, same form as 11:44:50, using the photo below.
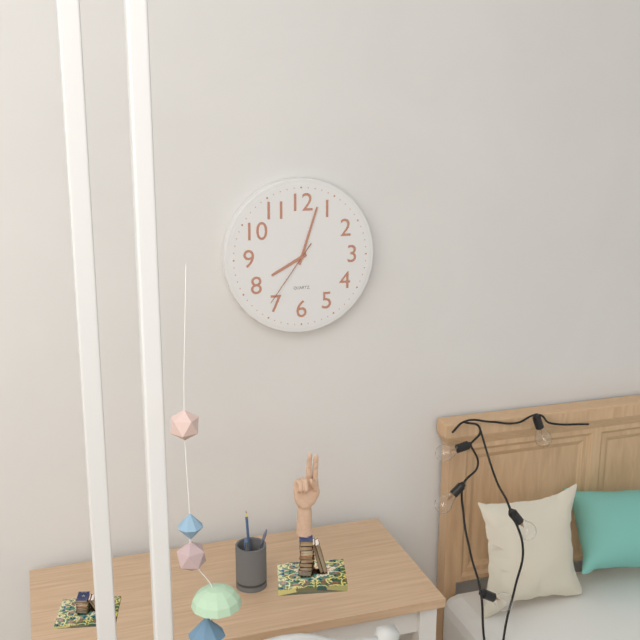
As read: 8:03:36
